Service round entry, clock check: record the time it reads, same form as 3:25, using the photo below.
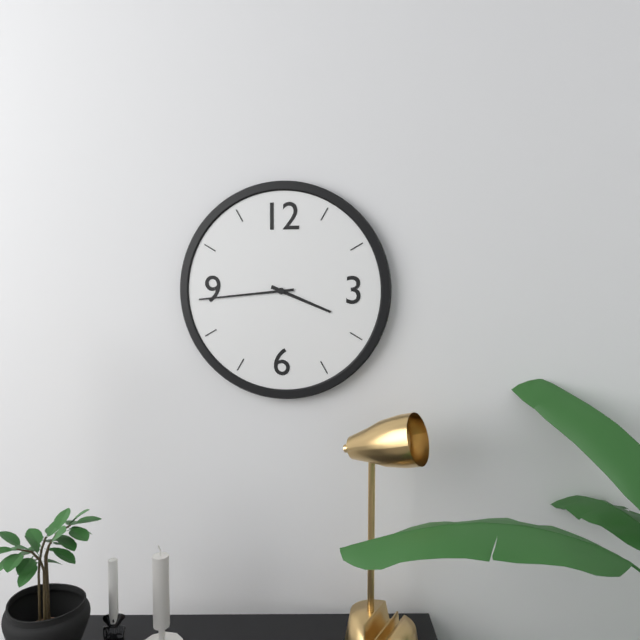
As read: 3:44
